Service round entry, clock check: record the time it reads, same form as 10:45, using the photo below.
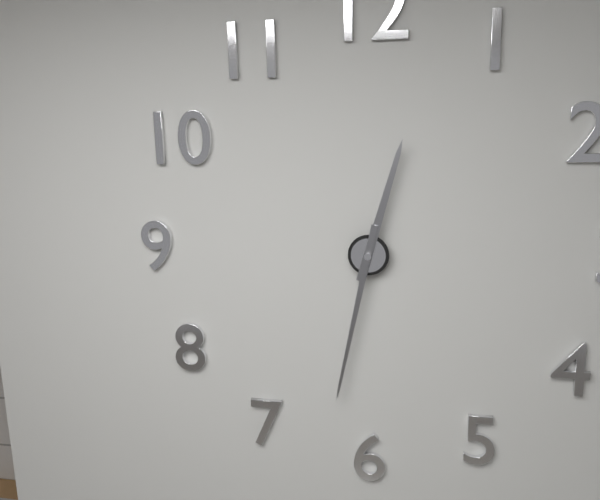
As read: 12:32
